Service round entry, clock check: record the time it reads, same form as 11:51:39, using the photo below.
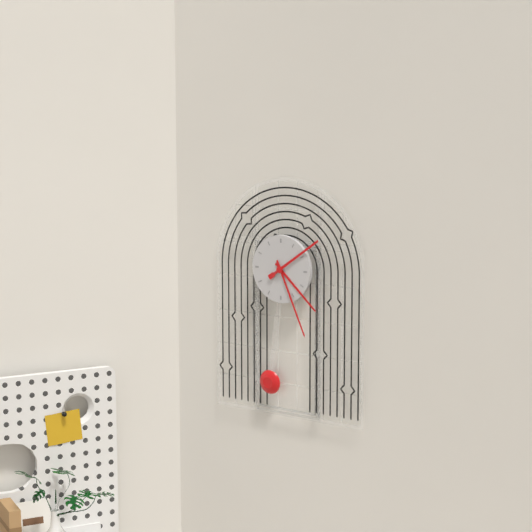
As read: 4:26:09
